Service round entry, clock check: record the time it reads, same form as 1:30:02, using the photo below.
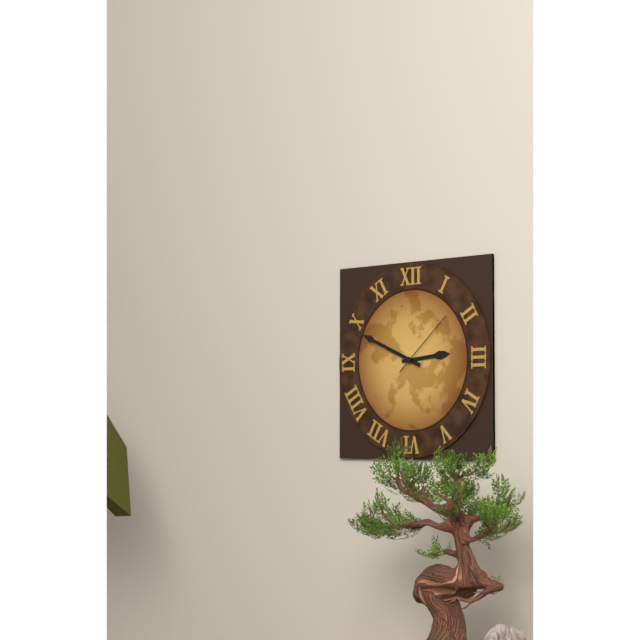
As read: 2:49:08
